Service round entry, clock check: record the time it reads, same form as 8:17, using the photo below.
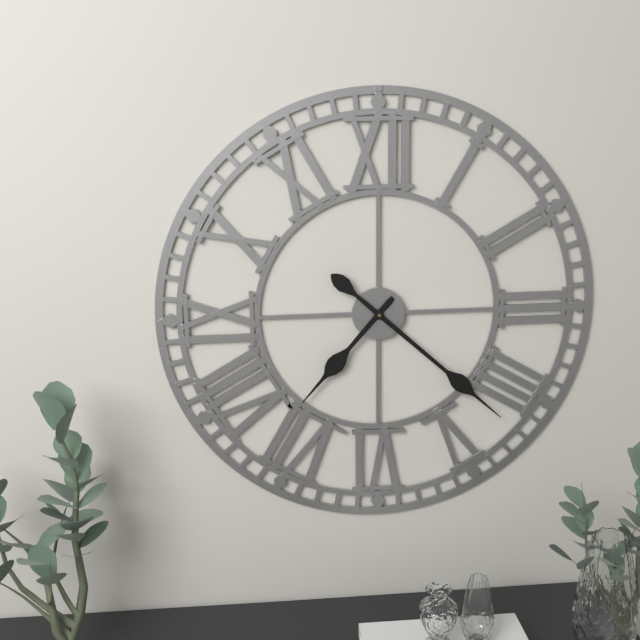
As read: 7:22
